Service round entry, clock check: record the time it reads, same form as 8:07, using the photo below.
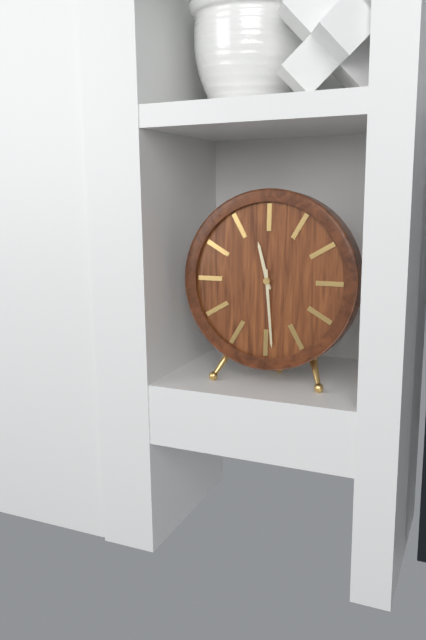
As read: 11:29
